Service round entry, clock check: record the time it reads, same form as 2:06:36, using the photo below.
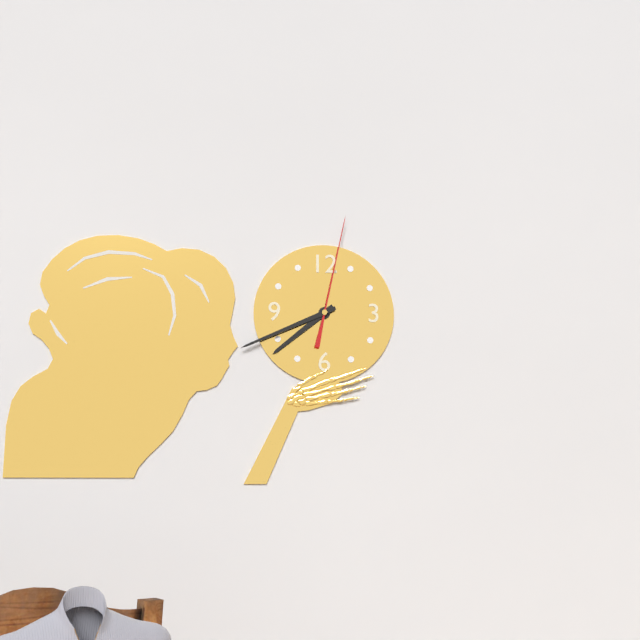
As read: 7:41:02
